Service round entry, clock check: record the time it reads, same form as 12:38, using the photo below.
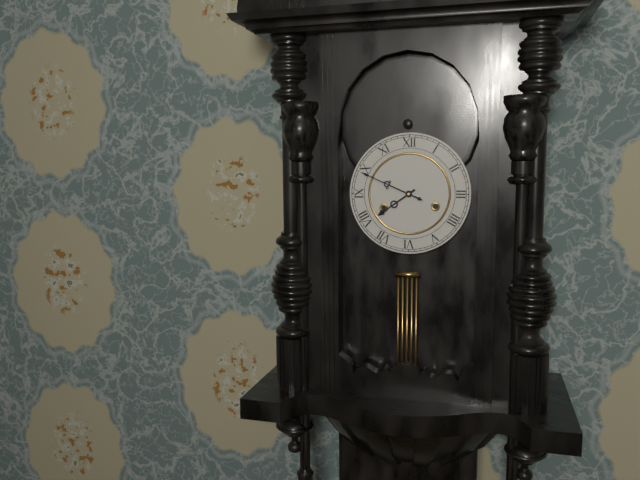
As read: 7:49
